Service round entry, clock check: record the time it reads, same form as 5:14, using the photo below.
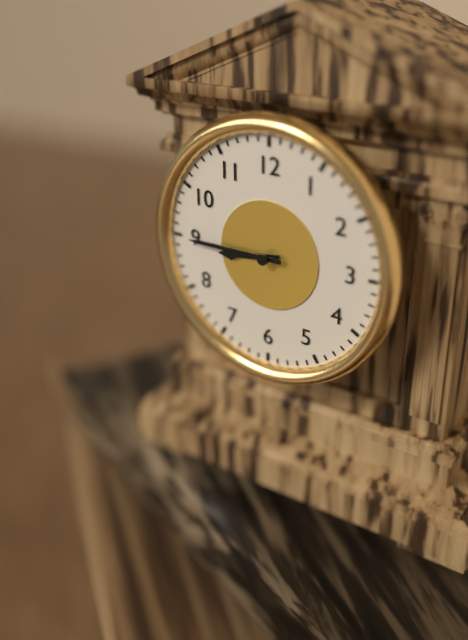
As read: 8:45
